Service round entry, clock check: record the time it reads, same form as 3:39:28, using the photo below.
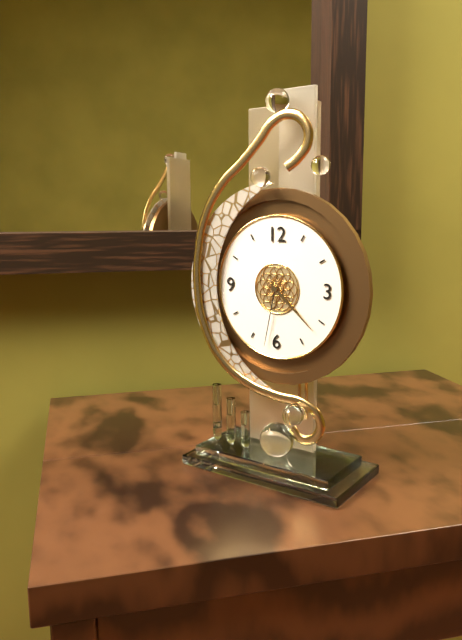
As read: 4:22:32
